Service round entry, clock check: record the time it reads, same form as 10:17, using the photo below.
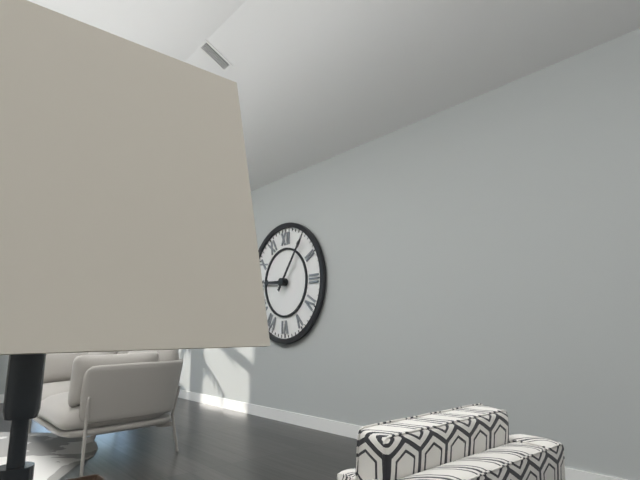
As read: 9:06
